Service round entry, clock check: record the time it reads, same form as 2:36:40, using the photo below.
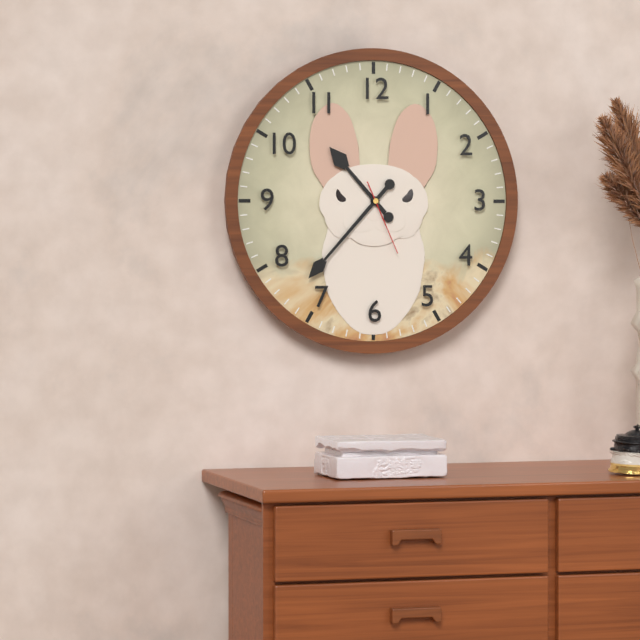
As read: 10:37:26
